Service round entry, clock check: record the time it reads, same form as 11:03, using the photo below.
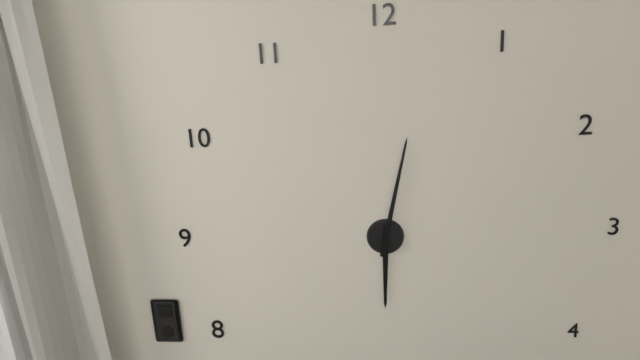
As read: 6:02
